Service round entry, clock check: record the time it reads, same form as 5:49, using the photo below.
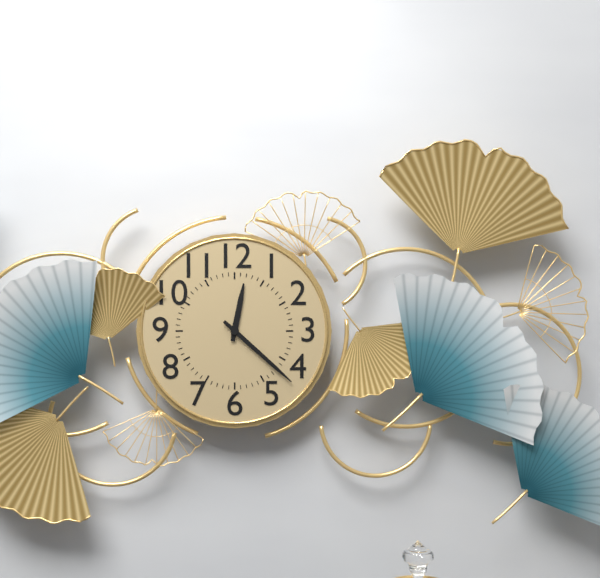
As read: 12:22
